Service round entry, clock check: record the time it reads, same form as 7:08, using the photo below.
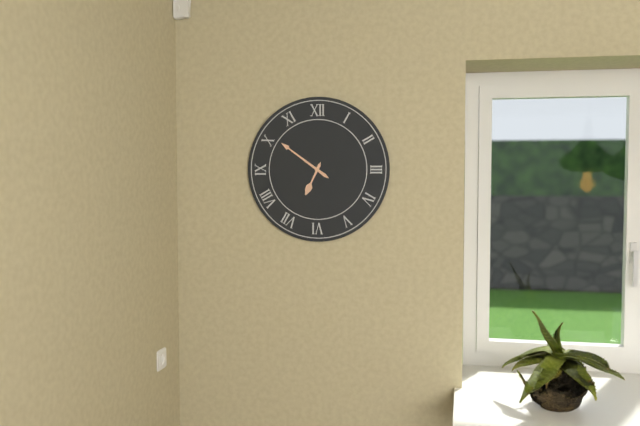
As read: 6:51
